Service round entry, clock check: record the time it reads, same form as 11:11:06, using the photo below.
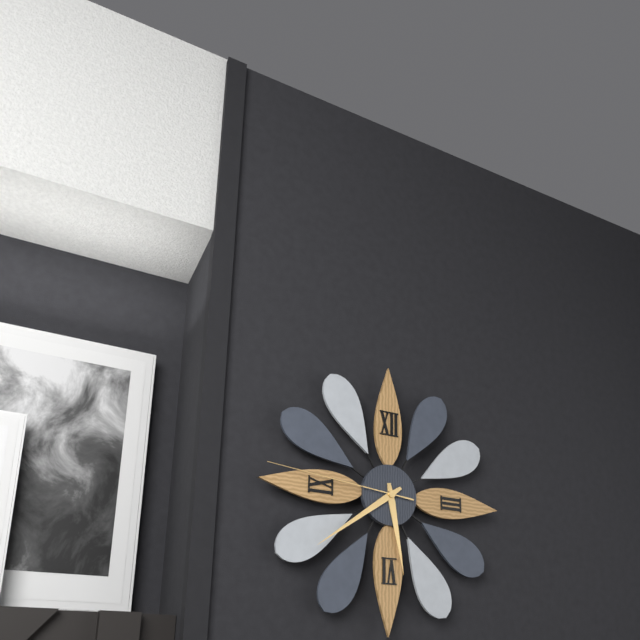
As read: 5:39:46
